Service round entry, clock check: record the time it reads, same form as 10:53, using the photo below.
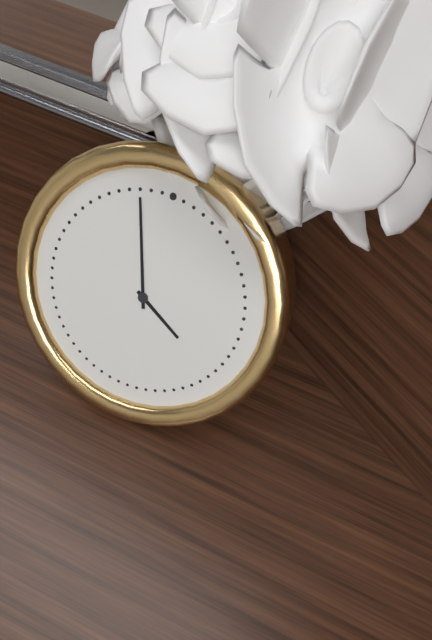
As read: 3:57
